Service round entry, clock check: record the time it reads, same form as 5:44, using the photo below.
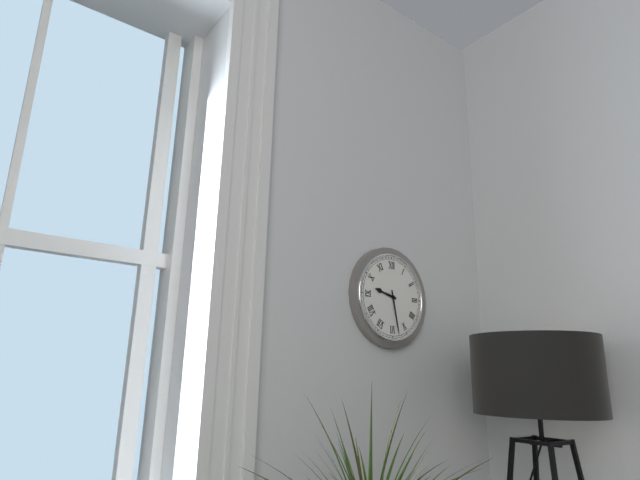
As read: 9:28
